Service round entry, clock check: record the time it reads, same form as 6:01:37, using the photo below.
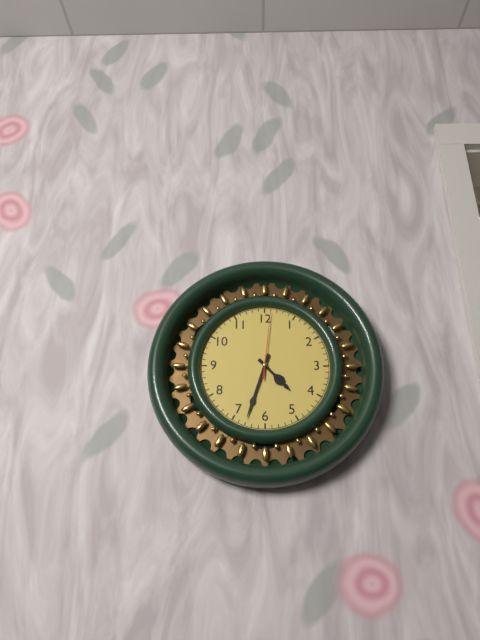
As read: 4:33:01
